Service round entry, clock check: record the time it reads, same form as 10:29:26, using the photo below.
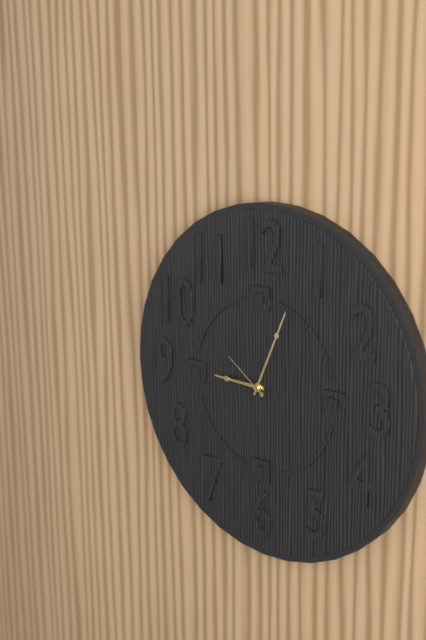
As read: 9:04:51
